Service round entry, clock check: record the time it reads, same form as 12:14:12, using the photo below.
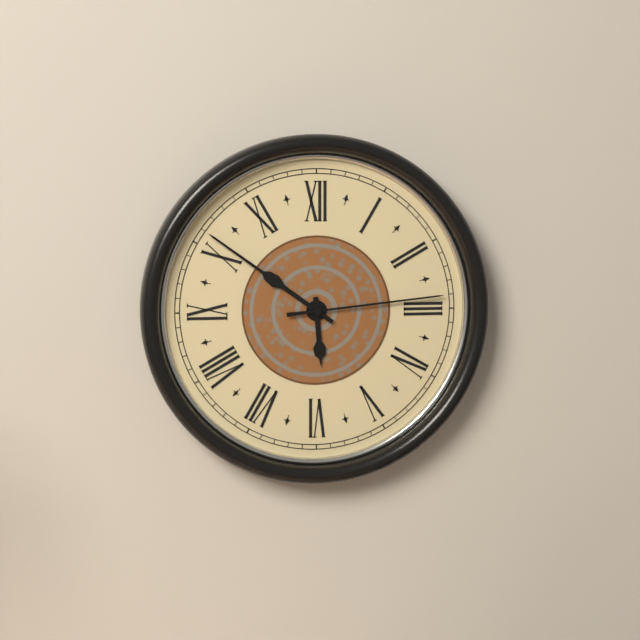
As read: 5:51:14
